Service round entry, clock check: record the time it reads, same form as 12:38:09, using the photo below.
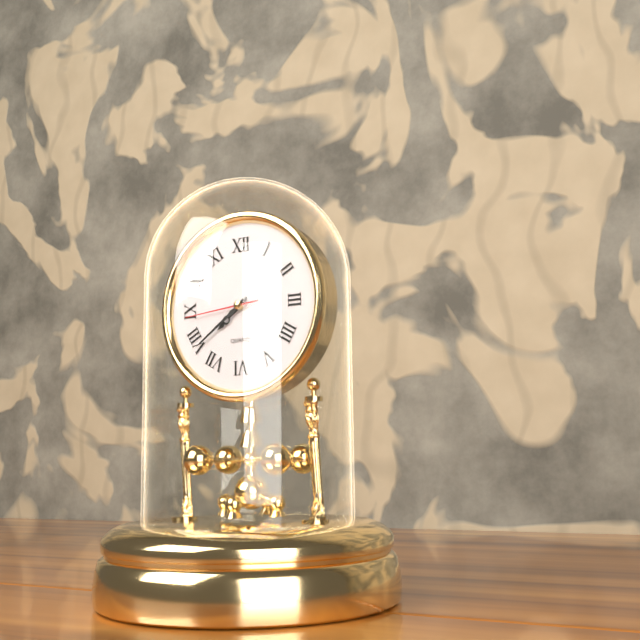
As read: 7:39:44
